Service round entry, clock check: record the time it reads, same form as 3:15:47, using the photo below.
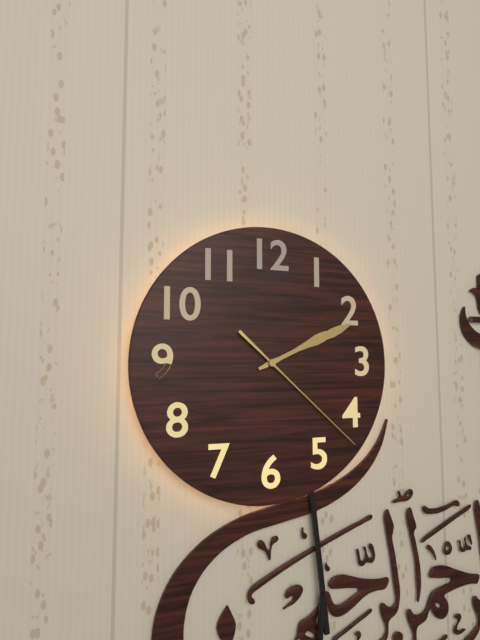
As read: 2:11:22
